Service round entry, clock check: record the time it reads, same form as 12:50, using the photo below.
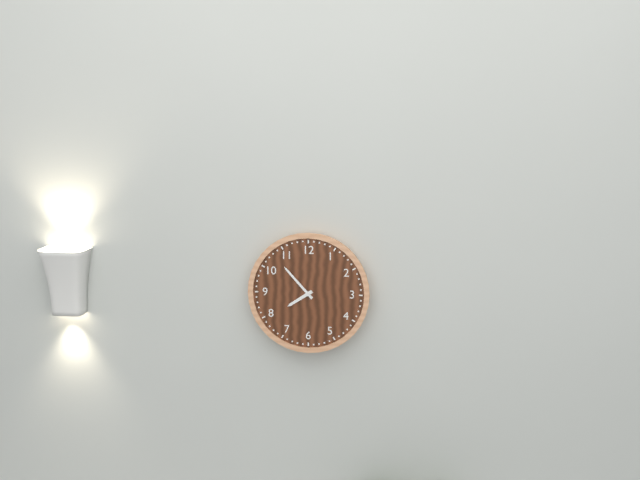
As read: 7:53
